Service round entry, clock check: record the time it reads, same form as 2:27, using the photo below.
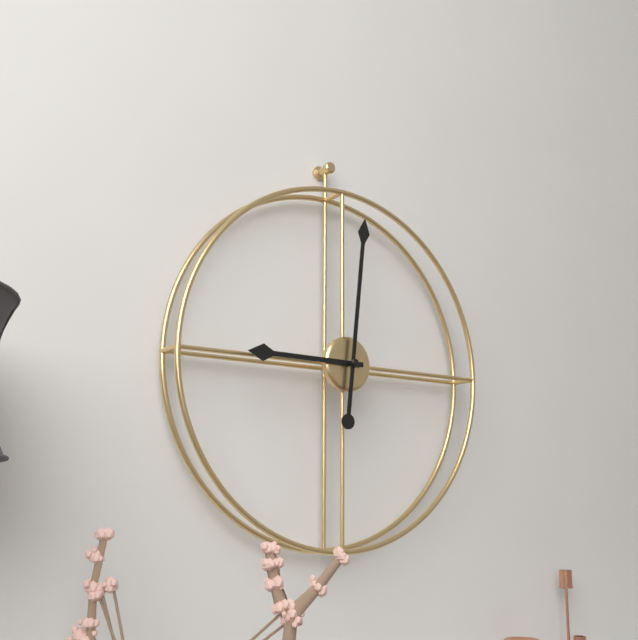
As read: 9:01
